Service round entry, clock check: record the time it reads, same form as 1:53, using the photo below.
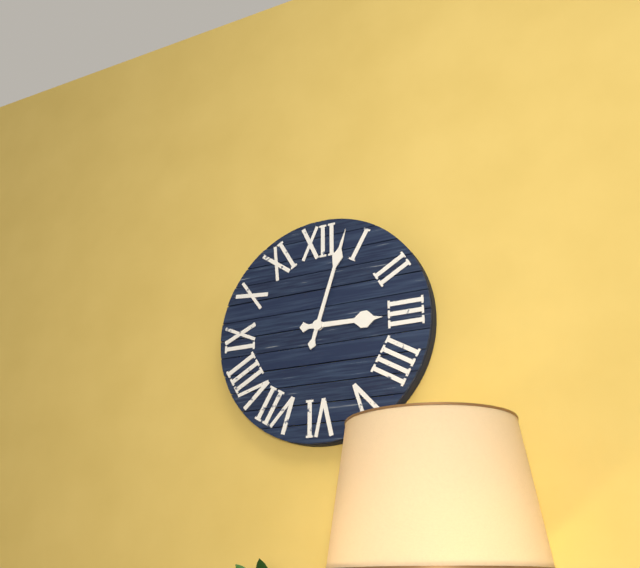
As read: 3:03
